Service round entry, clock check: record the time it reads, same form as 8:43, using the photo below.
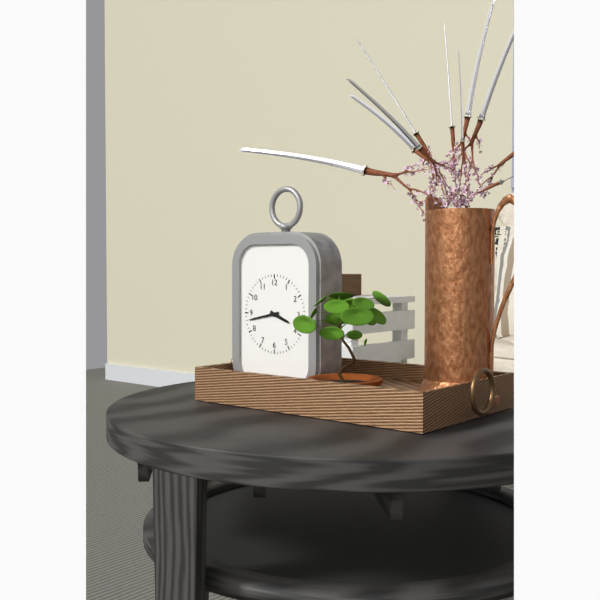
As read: 3:43
